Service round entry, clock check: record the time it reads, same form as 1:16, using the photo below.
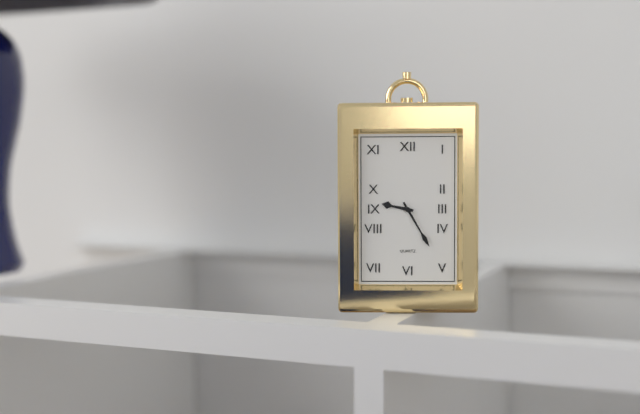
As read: 9:25
